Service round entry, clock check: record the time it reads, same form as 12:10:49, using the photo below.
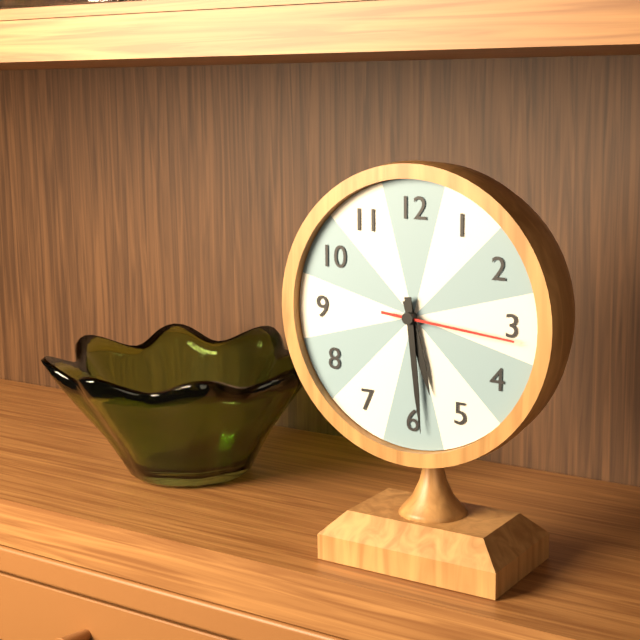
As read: 5:29:16
